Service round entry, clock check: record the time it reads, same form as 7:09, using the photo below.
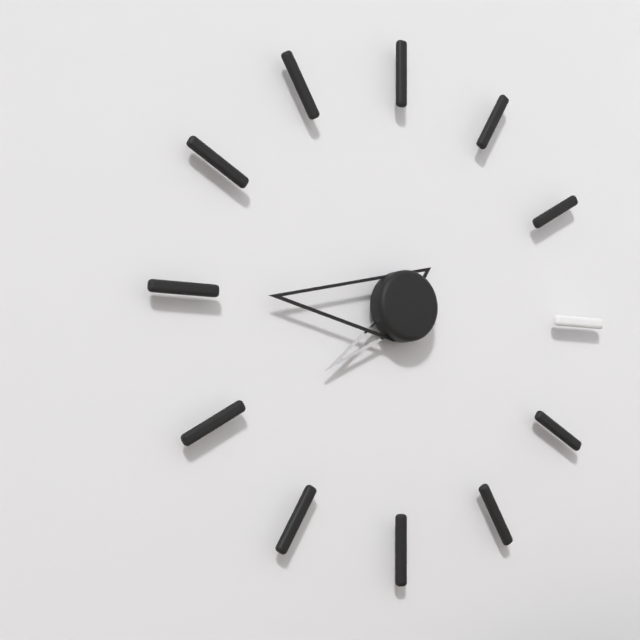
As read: 7:45
